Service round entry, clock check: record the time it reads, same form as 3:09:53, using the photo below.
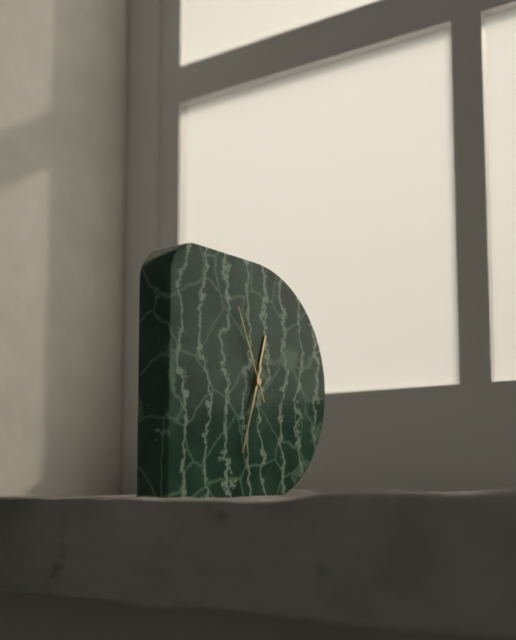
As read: 12:33:56
